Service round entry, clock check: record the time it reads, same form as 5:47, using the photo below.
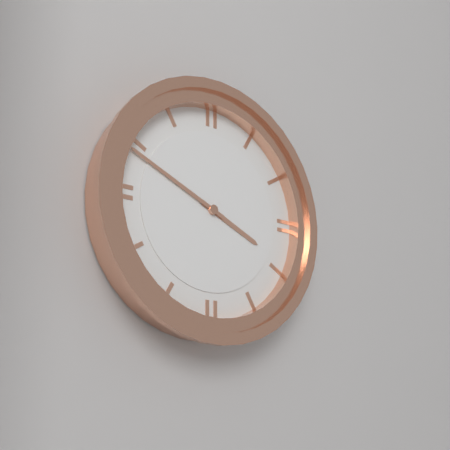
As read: 3:49
